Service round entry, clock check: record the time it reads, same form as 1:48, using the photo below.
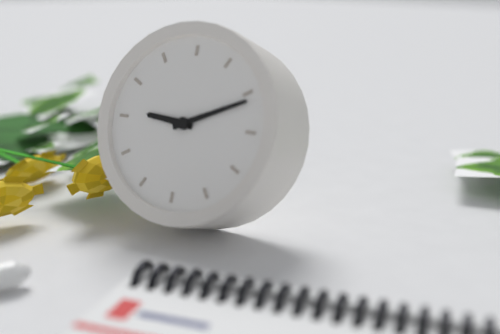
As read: 9:11
